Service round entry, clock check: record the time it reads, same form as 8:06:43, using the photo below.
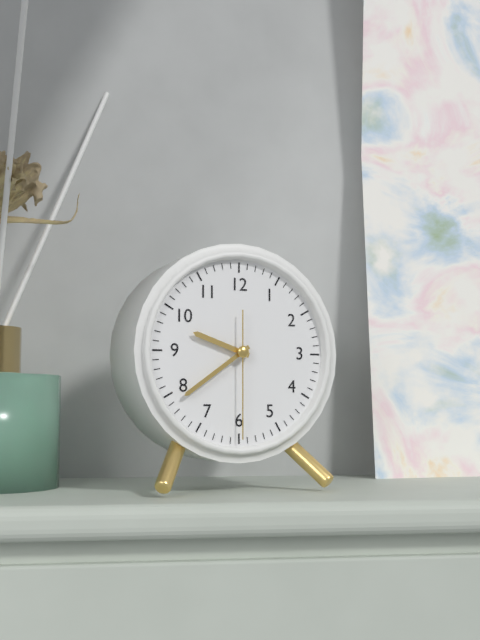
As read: 9:39:30
